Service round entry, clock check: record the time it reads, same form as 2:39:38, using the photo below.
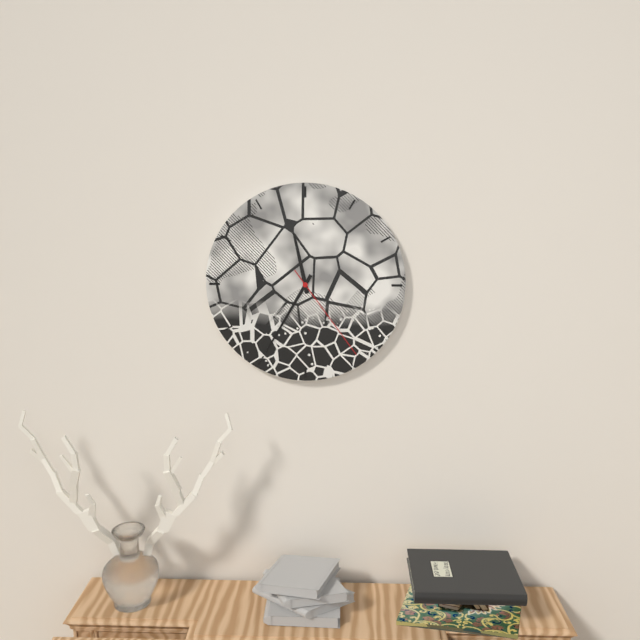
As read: 11:35:24
